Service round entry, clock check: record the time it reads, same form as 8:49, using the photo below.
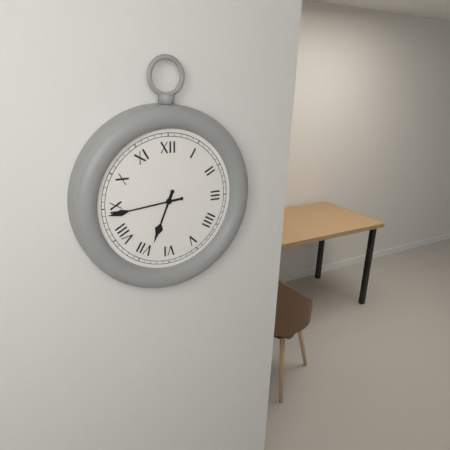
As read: 6:44
